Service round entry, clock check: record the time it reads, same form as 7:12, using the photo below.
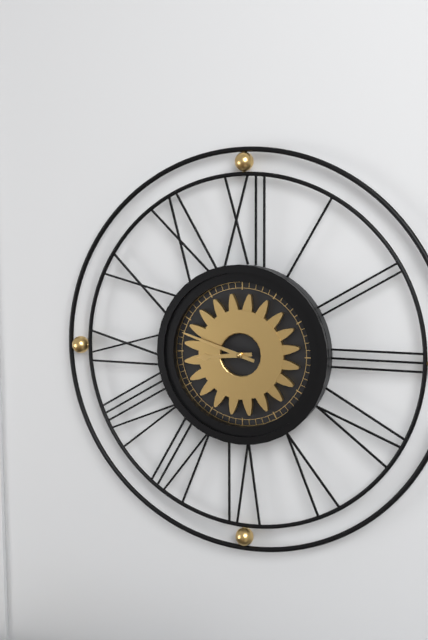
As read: 8:48
